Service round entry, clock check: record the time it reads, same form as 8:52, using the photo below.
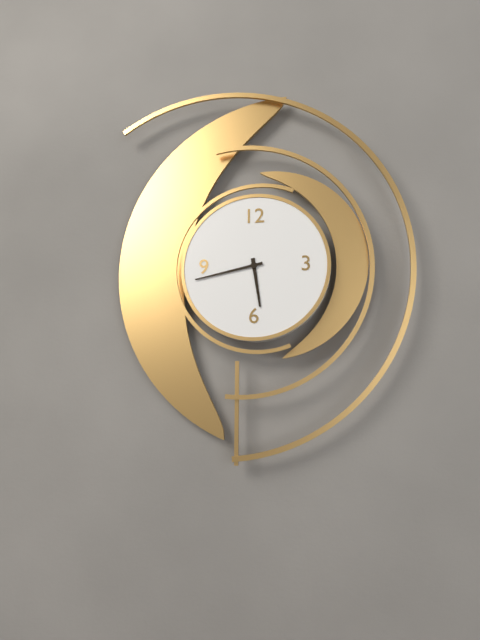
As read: 5:43
